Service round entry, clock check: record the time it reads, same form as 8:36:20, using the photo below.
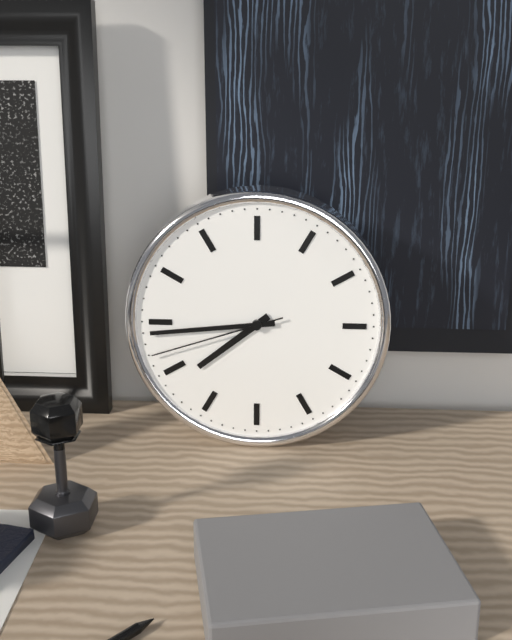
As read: 7:44:42
